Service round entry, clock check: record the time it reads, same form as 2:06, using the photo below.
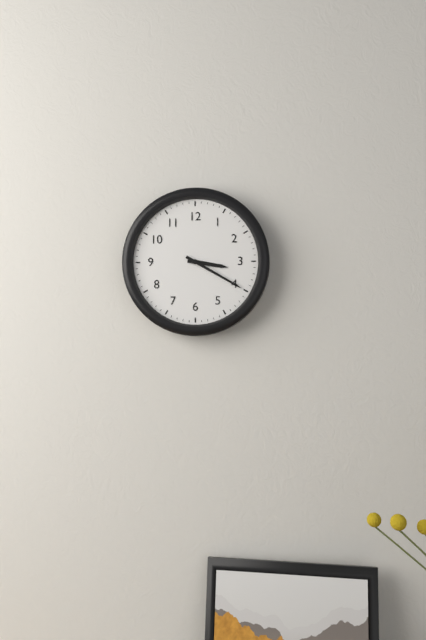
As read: 3:20
